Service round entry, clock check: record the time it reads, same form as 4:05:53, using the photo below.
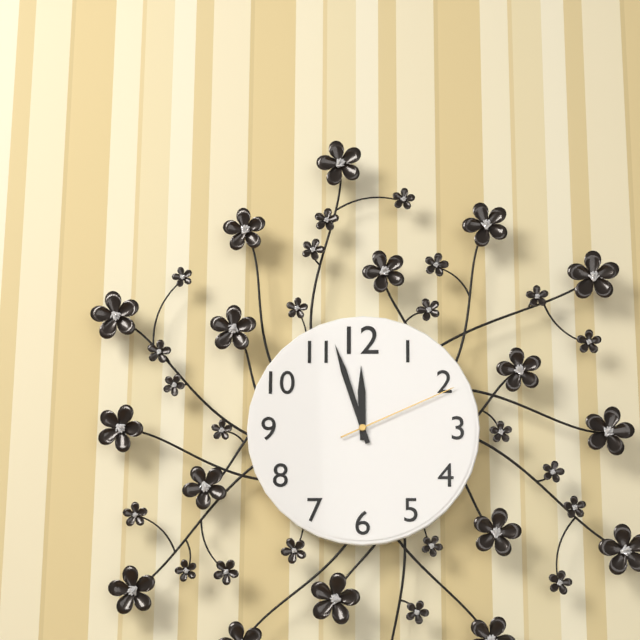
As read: 11:57:11
